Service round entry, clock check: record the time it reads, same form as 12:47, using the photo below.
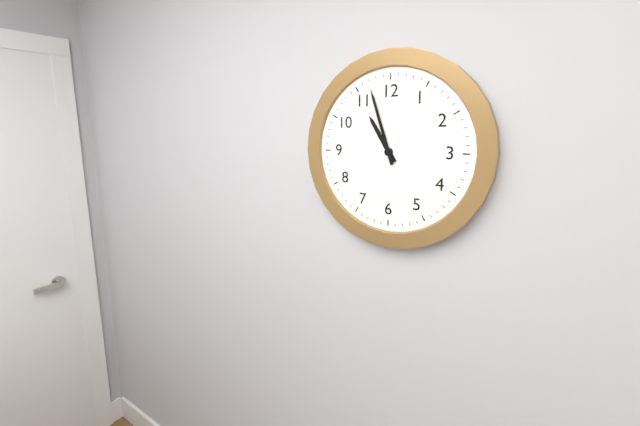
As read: 10:57
